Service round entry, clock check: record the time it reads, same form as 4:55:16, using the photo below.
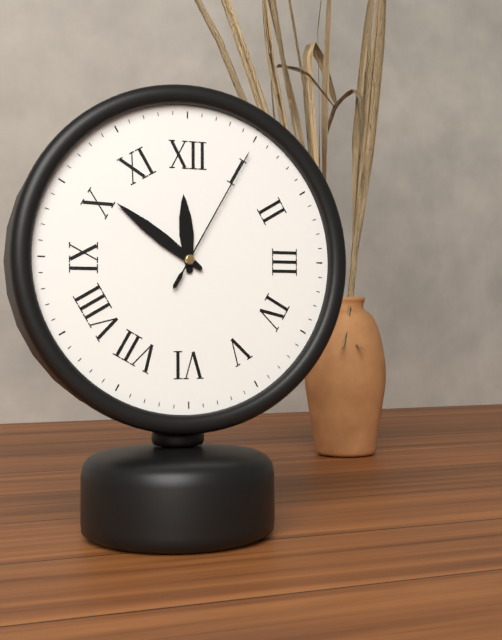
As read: 11:51:05
